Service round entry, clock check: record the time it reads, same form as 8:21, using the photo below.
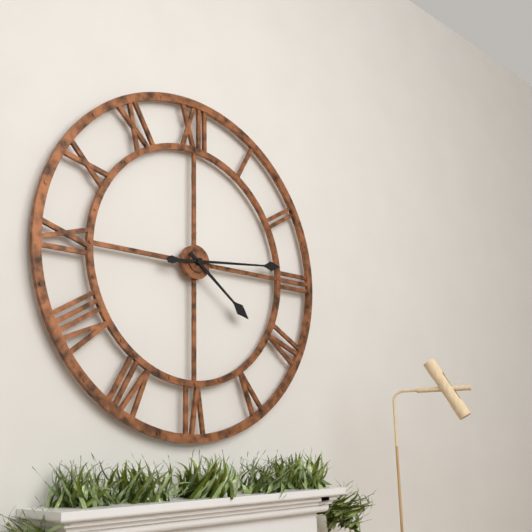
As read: 4:14
